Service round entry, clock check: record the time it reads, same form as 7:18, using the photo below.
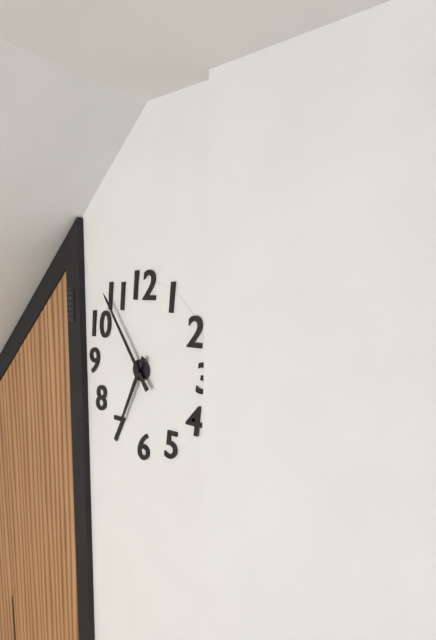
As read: 6:54
